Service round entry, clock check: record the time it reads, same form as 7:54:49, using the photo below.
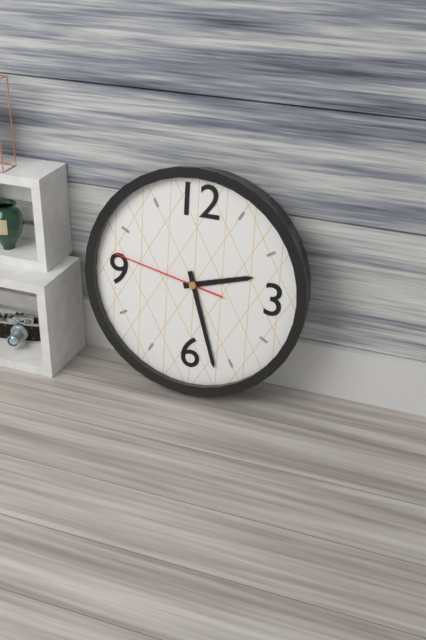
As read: 2:27:47
